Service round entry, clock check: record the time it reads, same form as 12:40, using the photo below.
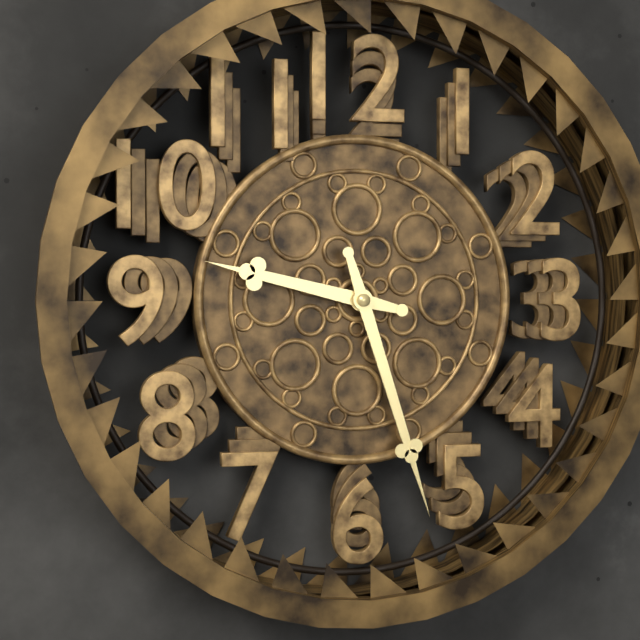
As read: 9:27
